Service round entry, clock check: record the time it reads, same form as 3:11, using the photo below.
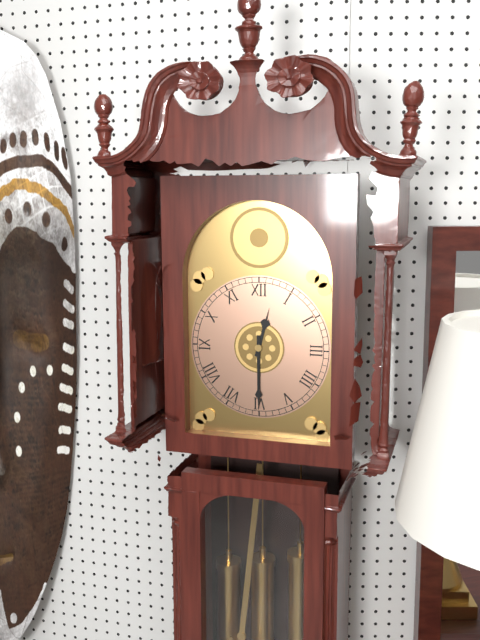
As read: 12:30
